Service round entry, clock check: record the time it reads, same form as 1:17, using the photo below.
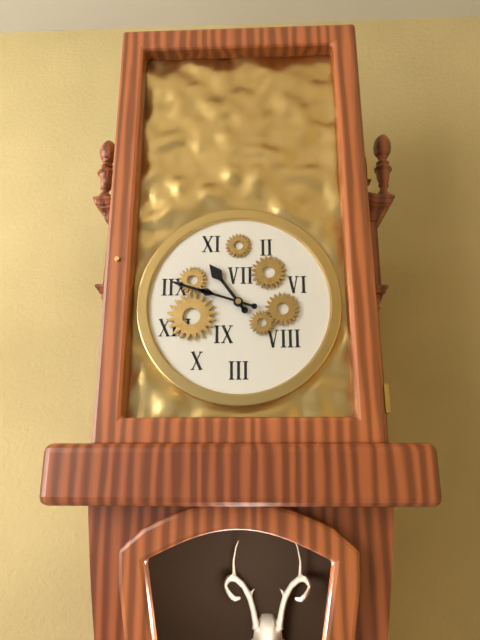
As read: 10:48
